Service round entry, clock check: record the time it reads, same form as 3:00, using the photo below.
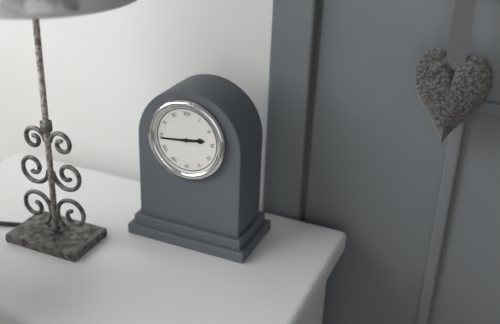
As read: 2:44
